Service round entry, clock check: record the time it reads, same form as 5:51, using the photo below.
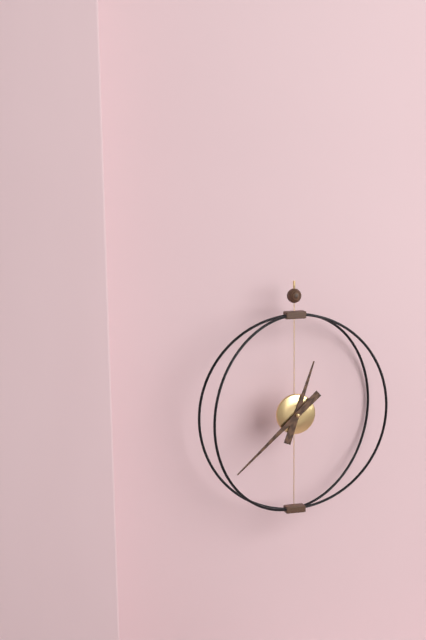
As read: 12:38
